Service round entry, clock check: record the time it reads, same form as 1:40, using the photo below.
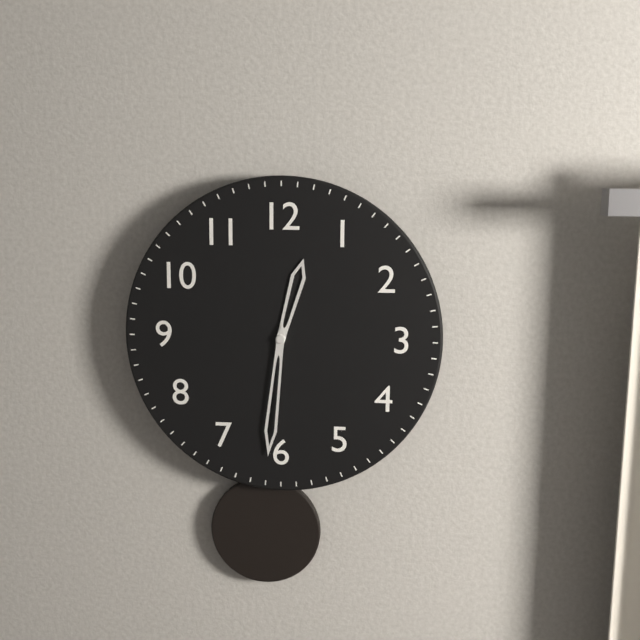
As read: 12:31
